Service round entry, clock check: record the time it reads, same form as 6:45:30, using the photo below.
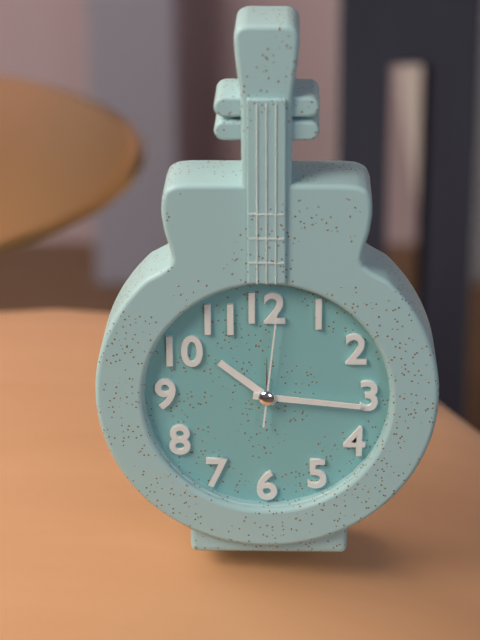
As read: 10:16:01
